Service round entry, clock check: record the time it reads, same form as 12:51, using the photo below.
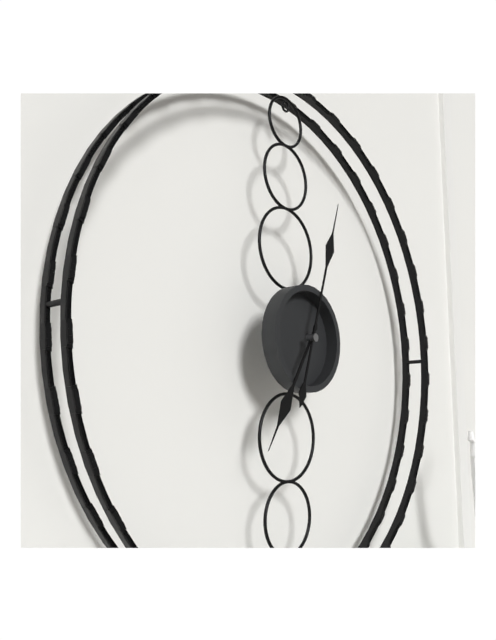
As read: 7:03
